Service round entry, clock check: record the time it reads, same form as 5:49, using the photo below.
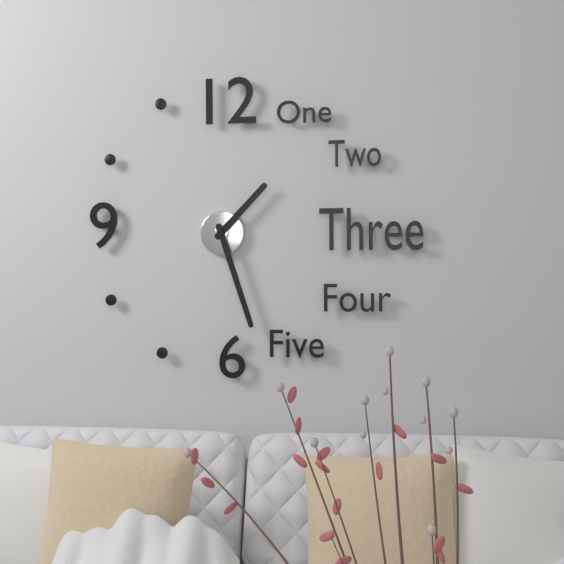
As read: 1:27
